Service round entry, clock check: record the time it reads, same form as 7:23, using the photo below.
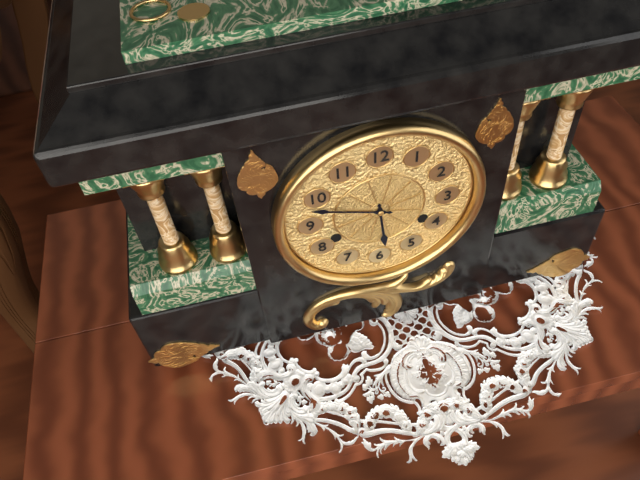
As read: 5:48
